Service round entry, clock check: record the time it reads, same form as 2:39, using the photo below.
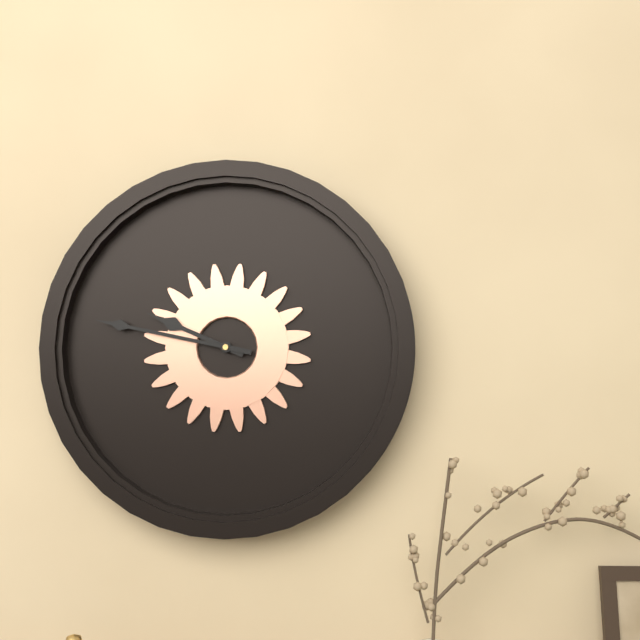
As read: 9:47
